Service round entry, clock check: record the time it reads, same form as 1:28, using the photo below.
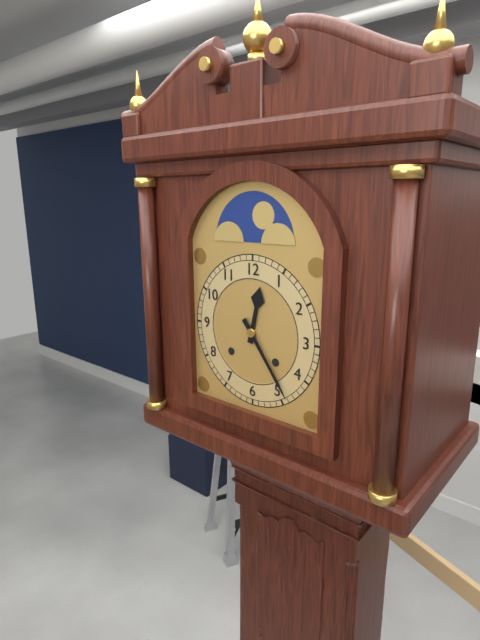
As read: 12:24
